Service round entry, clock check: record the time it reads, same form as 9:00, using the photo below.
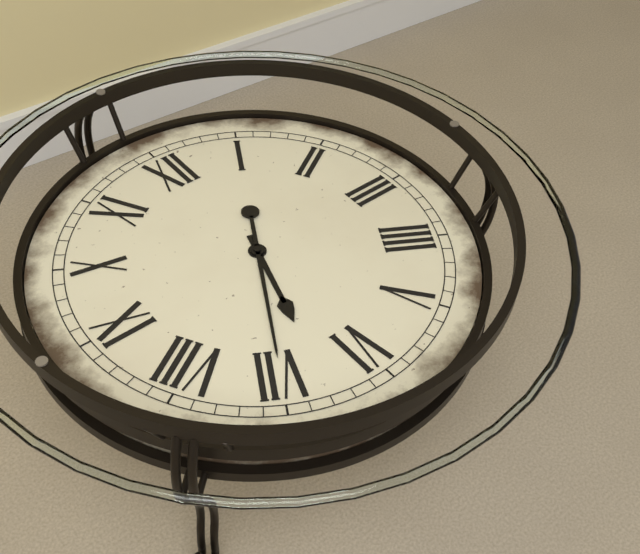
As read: 6:35
